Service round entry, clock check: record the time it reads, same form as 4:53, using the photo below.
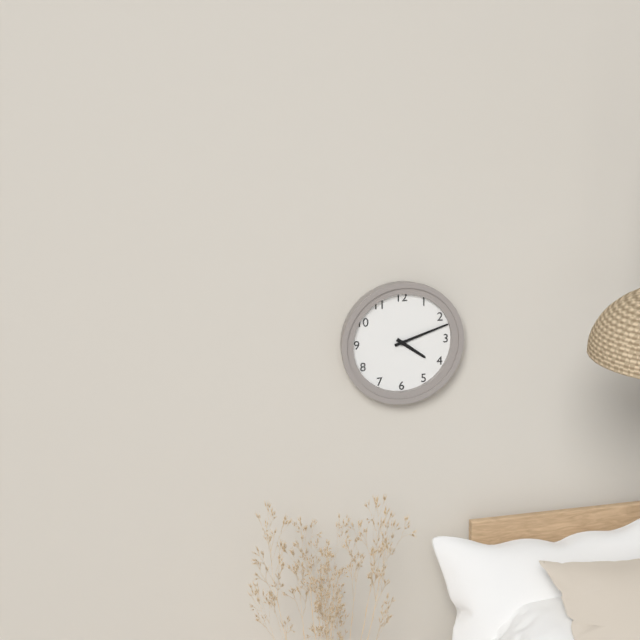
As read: 4:12
